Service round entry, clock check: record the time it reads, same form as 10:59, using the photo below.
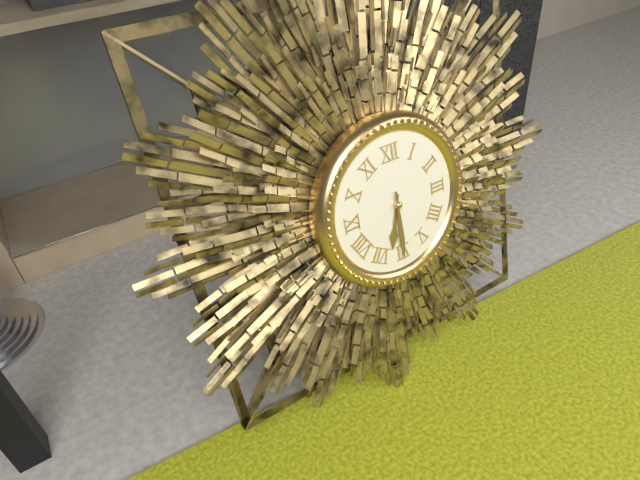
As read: 6:30
